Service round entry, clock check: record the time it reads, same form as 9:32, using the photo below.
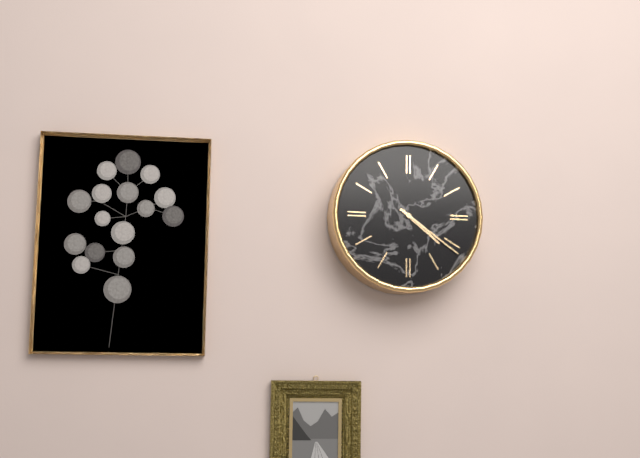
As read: 4:21
